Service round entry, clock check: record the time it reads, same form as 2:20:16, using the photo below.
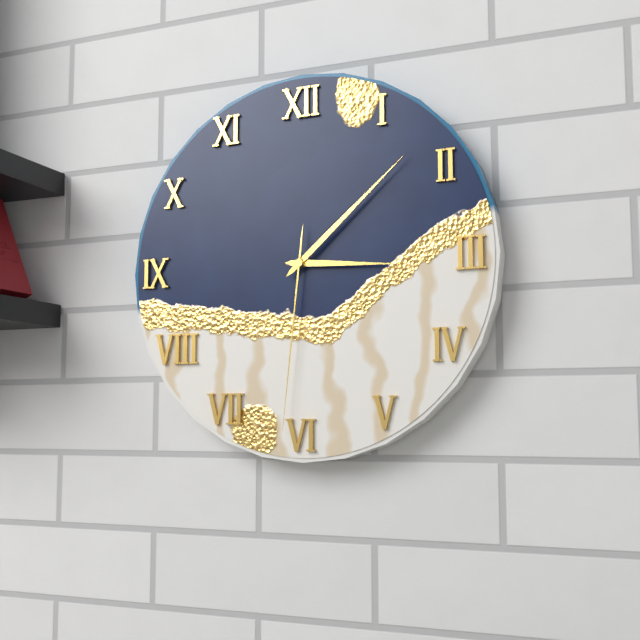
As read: 3:08:31
